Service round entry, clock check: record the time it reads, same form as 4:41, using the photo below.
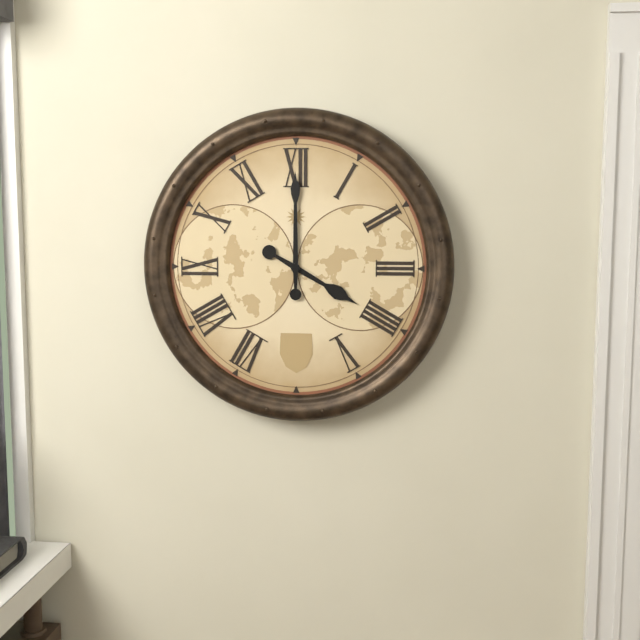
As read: 4:00
